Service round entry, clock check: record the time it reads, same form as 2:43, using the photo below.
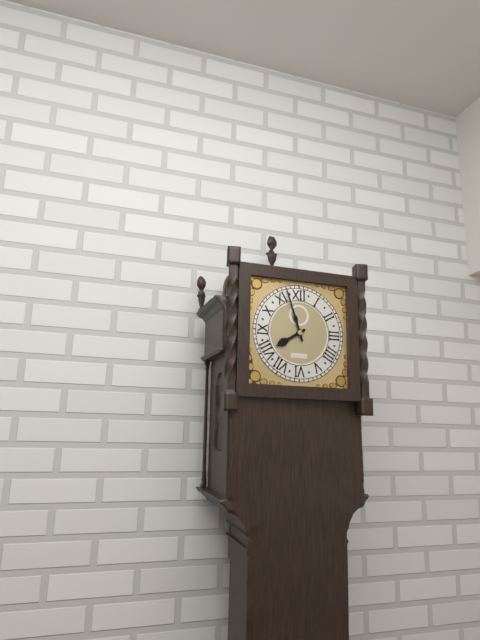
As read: 7:57
